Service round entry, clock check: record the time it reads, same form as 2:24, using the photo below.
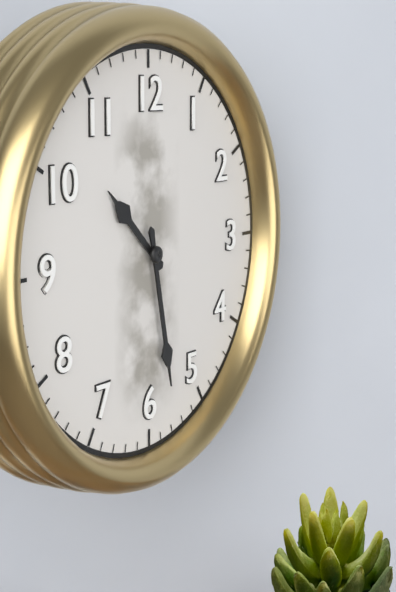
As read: 10:28
